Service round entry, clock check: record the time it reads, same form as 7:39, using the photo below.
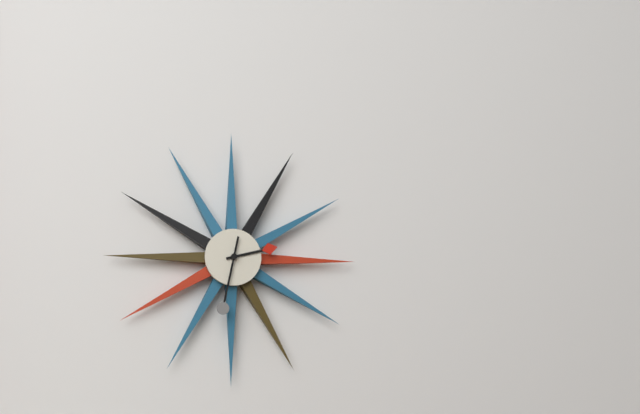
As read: 2:32
